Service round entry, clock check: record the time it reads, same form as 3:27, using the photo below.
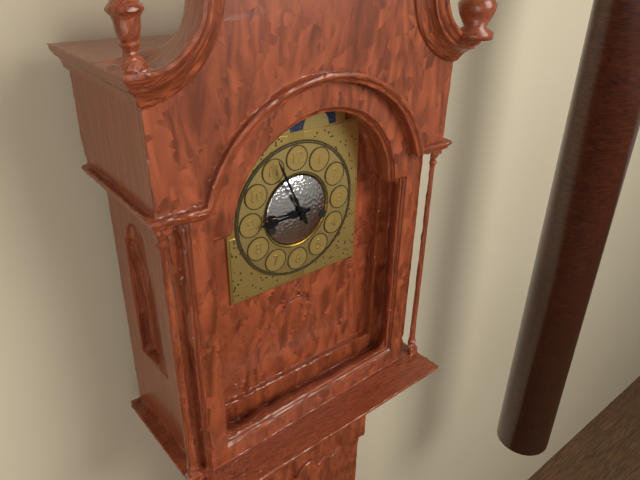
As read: 8:56
